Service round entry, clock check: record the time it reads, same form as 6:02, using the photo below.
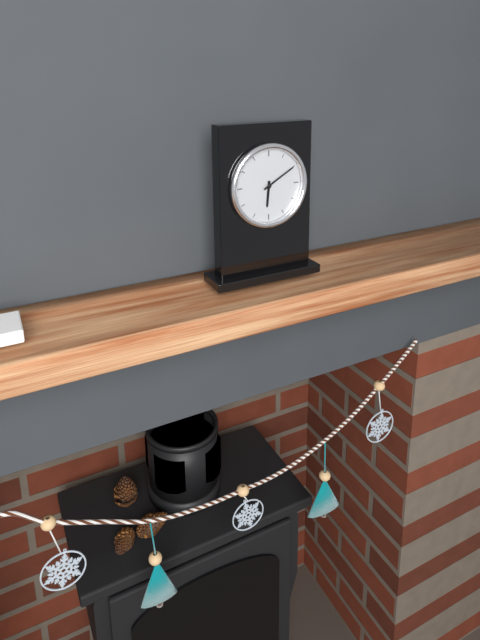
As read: 6:10
